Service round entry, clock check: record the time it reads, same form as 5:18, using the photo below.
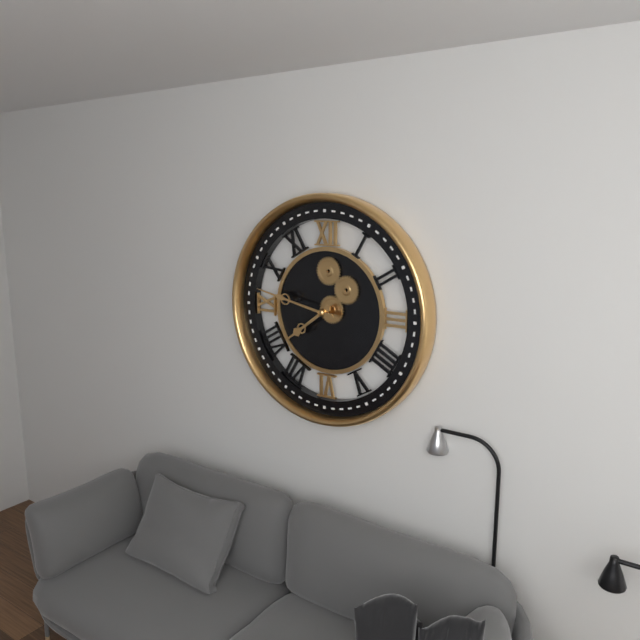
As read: 7:47
